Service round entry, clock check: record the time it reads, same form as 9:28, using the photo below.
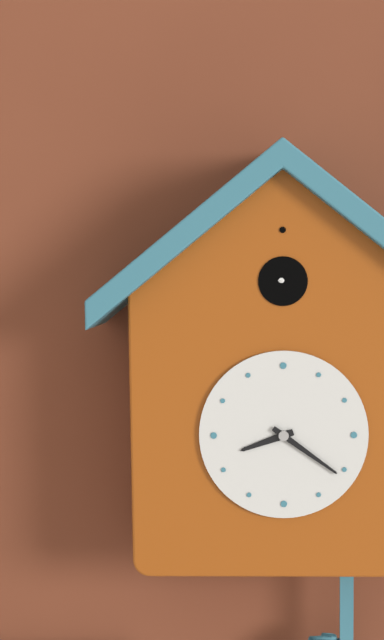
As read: 8:21
